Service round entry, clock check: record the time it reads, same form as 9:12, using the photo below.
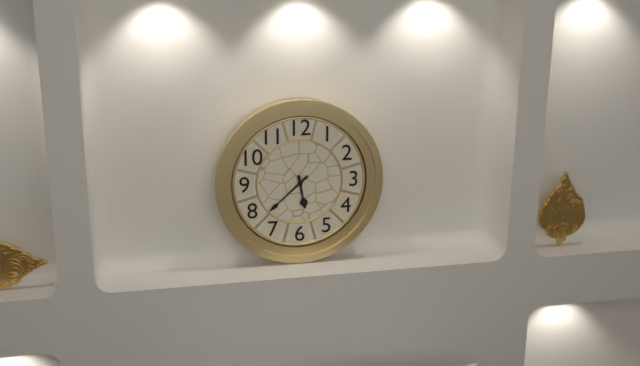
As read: 5:38
